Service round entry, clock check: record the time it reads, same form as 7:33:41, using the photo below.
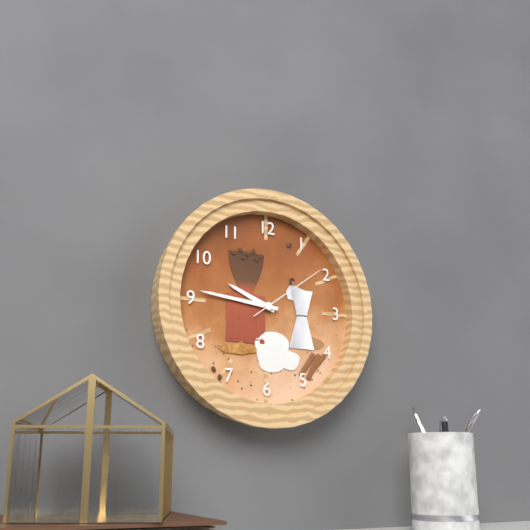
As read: 9:46:09
